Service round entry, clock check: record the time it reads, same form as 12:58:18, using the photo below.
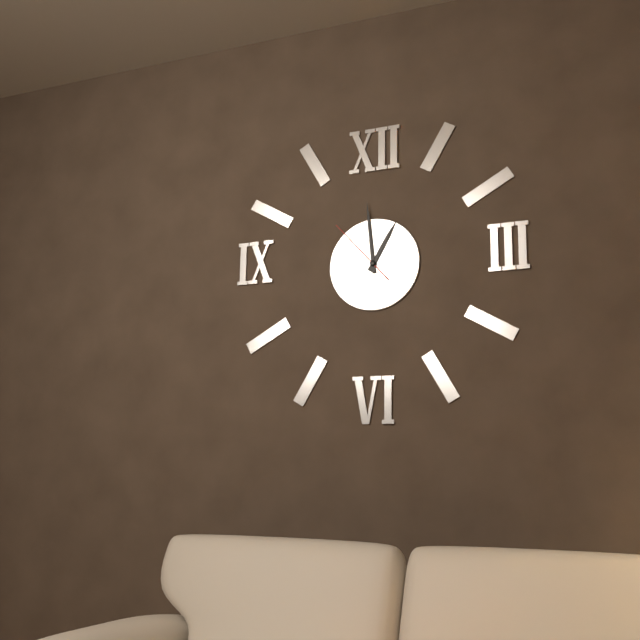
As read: 12:59:53
